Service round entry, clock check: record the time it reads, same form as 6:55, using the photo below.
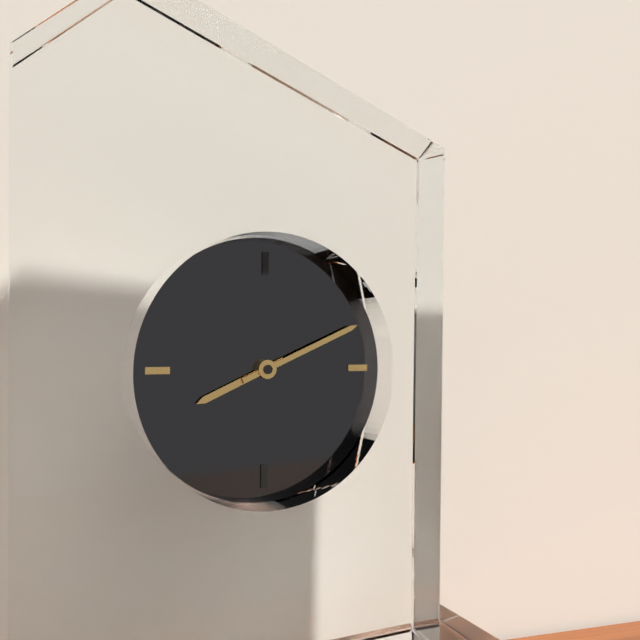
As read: 8:11
